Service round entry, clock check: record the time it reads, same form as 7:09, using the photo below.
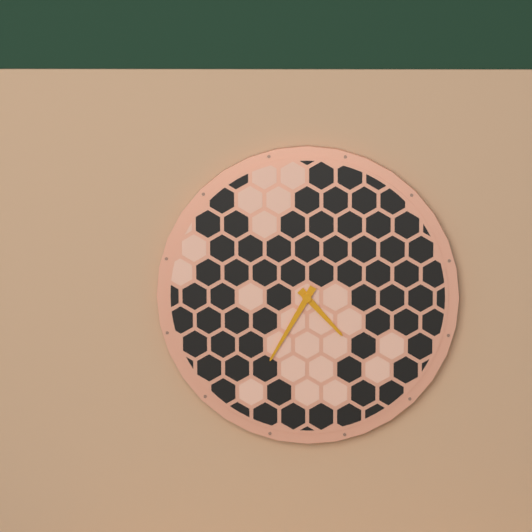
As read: 4:35
